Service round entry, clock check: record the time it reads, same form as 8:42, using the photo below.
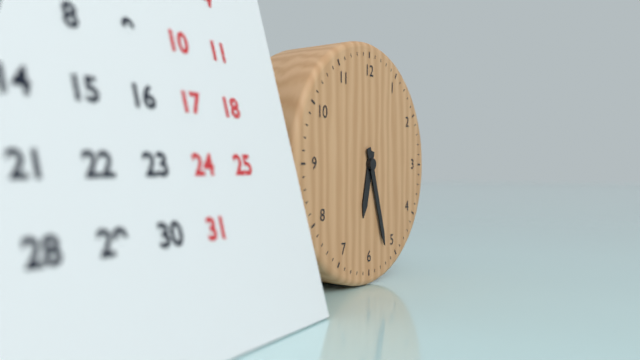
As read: 6:27
